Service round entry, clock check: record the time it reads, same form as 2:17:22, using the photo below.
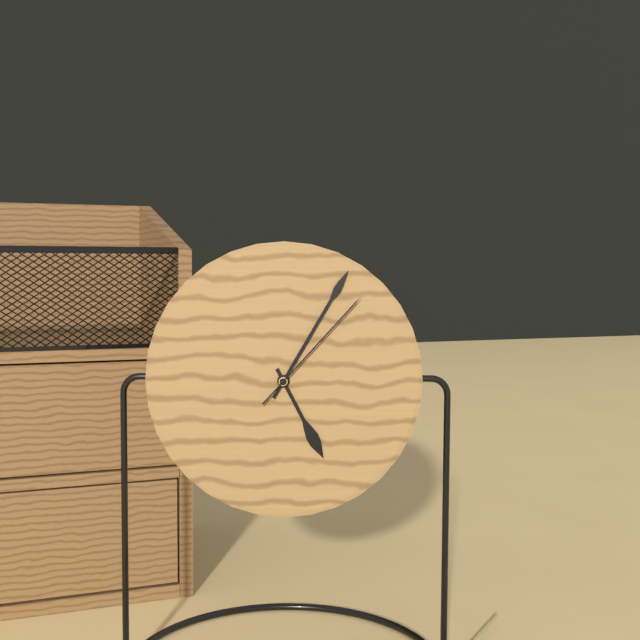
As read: 5:05:07
